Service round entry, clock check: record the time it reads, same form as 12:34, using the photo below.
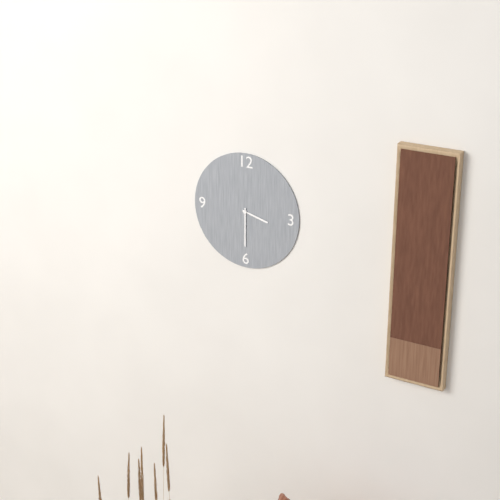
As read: 3:30
